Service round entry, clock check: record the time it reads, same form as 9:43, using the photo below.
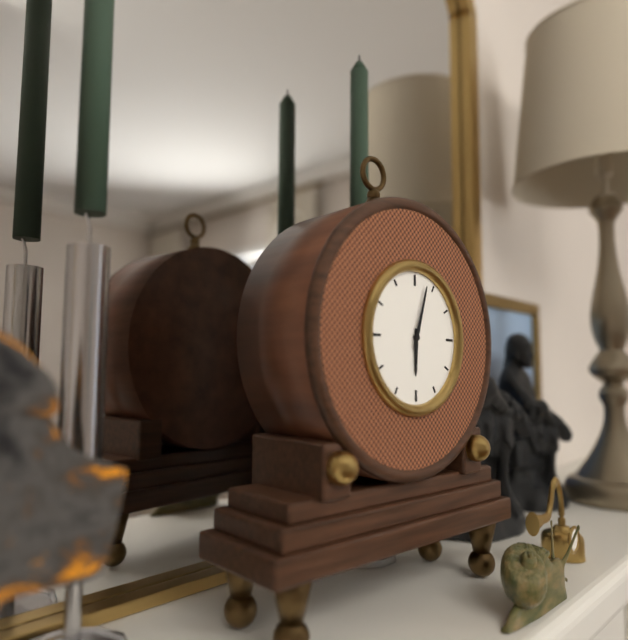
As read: 6:03
